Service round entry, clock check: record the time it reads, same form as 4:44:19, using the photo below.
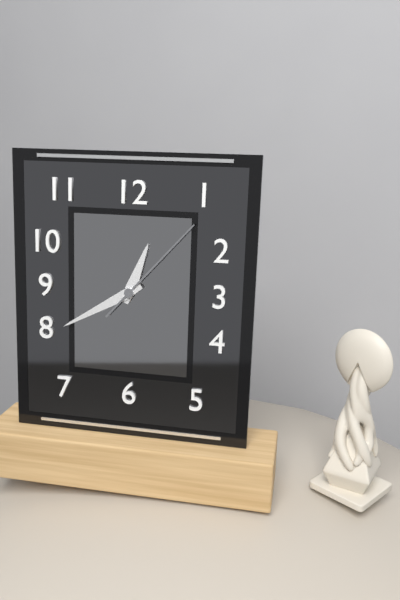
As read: 12:40:07
